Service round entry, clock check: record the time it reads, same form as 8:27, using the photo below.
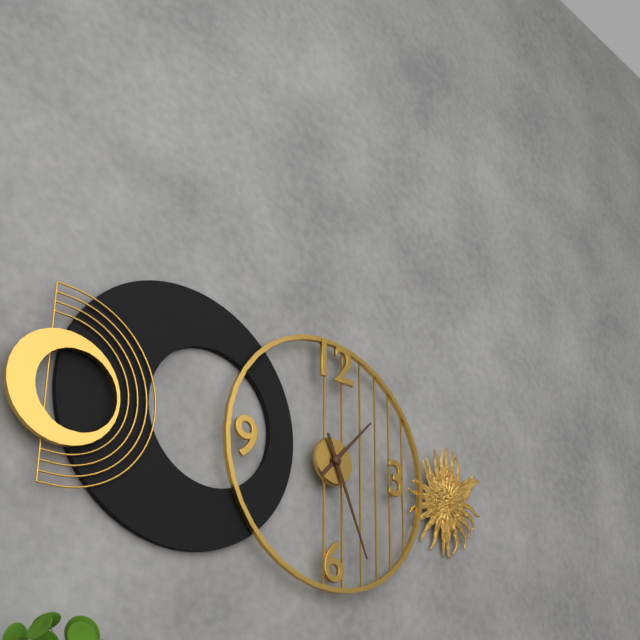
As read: 1:26
